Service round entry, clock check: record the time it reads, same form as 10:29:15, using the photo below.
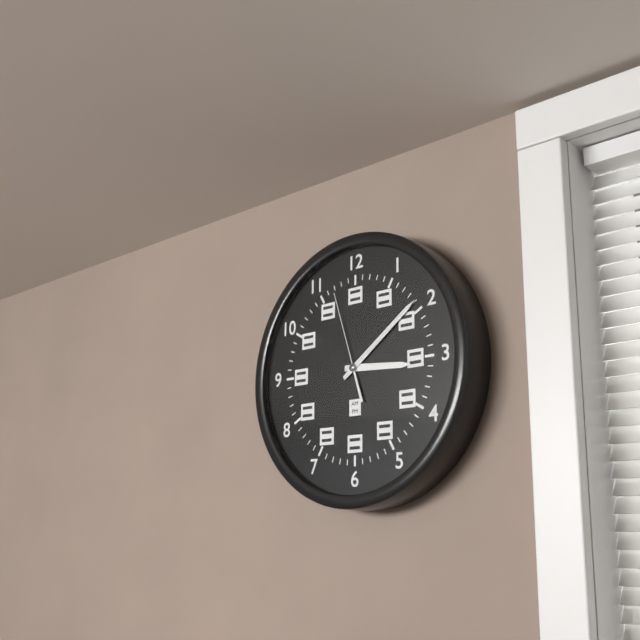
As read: 3:09:57
